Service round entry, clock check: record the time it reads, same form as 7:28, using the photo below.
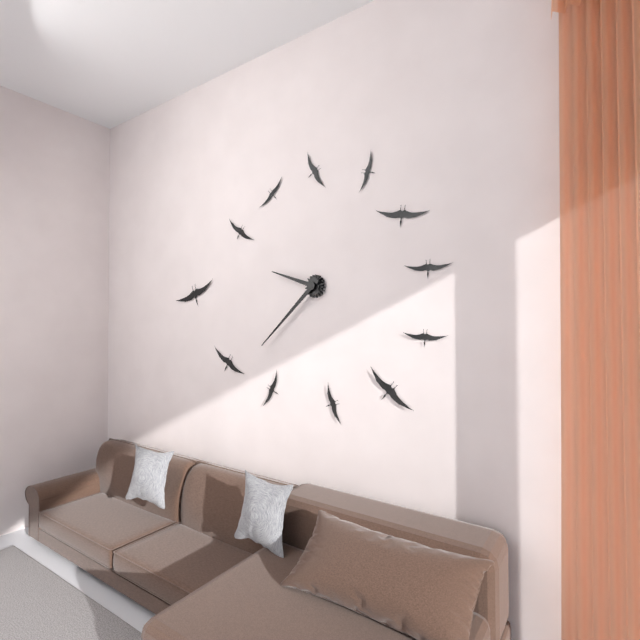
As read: 9:38
